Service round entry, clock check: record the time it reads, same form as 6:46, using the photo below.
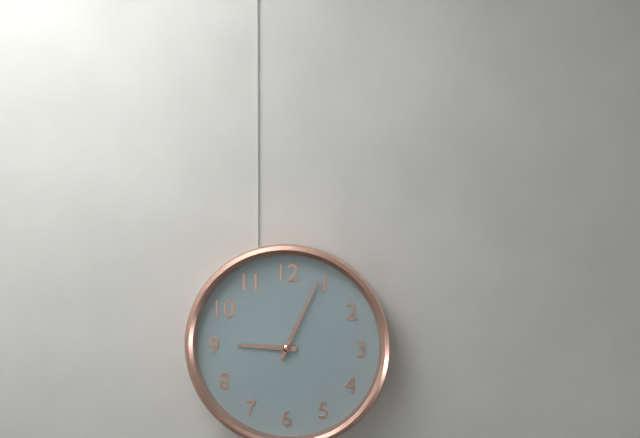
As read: 9:04
